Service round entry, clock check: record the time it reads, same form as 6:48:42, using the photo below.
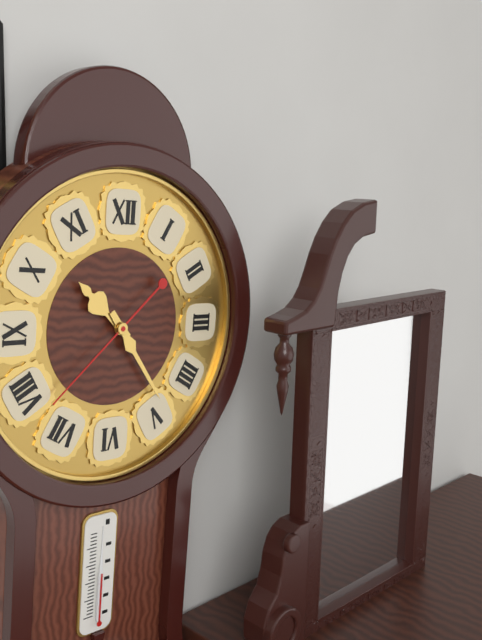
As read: 10:24:38
